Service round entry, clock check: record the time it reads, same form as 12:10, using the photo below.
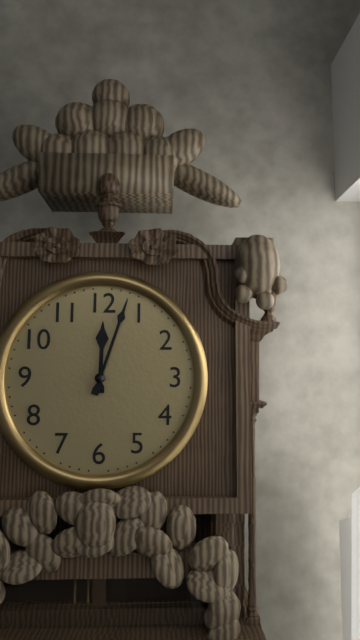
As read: 12:03
